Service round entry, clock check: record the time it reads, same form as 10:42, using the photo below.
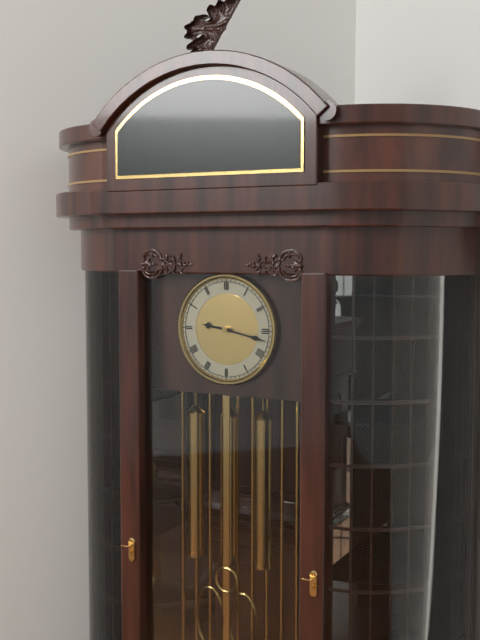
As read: 9:17
